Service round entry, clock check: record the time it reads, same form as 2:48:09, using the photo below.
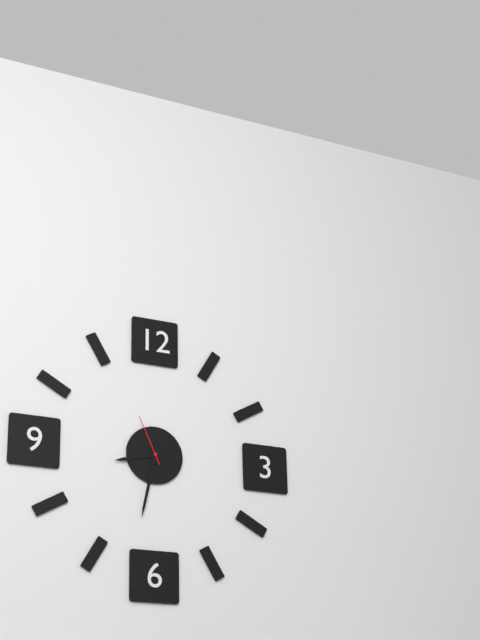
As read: 8:32:56
